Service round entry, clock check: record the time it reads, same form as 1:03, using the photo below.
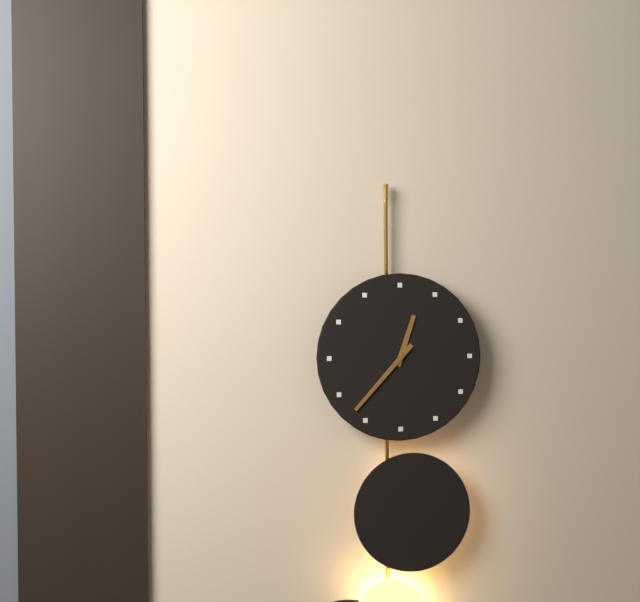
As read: 12:37
